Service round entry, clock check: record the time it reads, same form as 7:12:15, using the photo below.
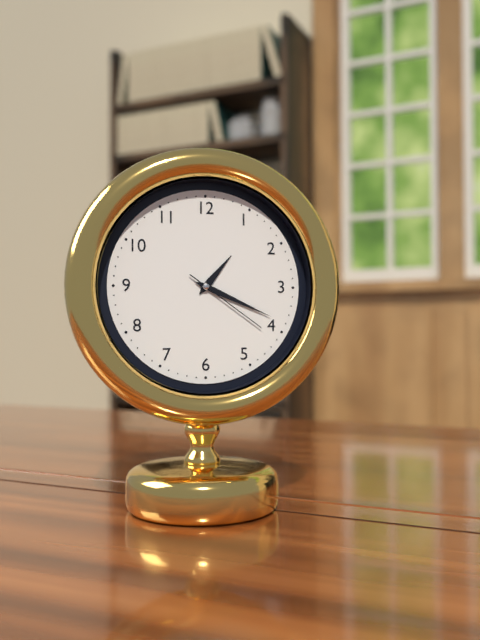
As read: 1:19:21
